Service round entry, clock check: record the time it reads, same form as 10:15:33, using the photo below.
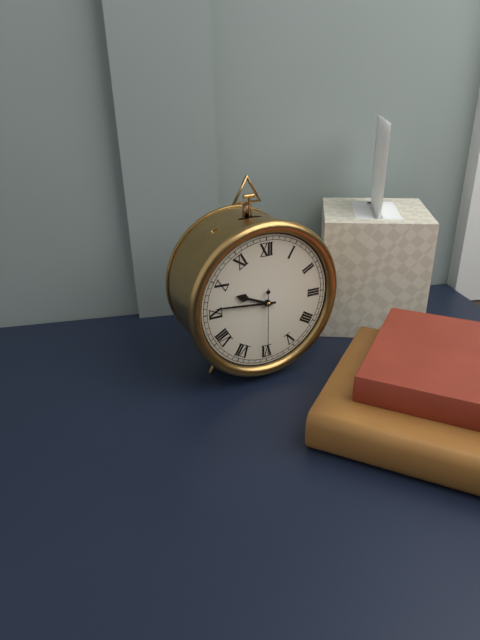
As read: 9:46:30
